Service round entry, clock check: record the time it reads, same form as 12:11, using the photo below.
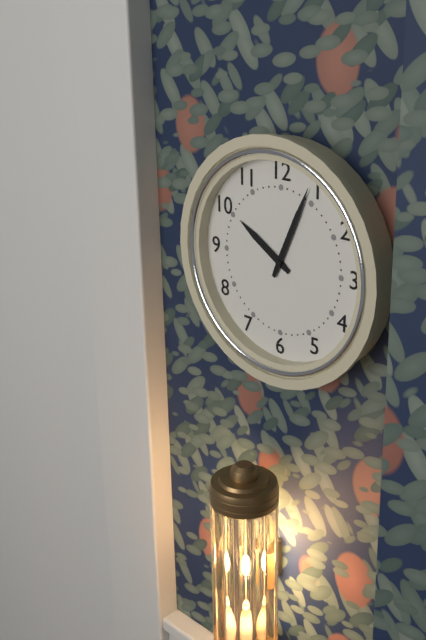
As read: 10:04
